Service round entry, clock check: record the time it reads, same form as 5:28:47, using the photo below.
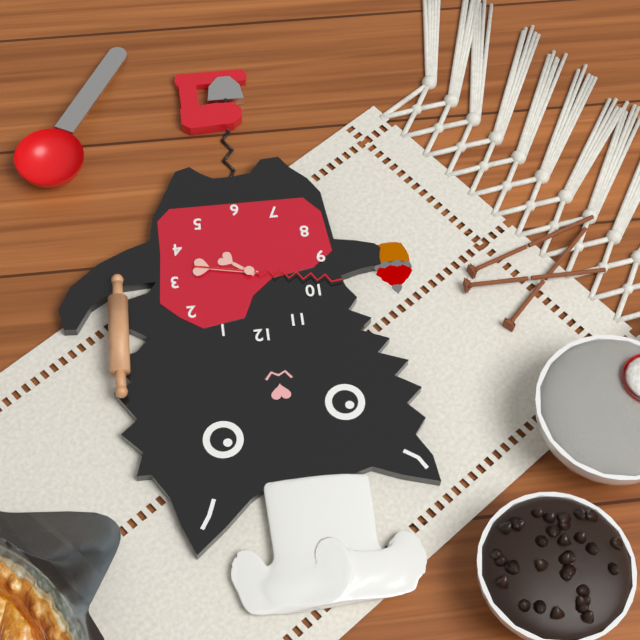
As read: 4:17:47
